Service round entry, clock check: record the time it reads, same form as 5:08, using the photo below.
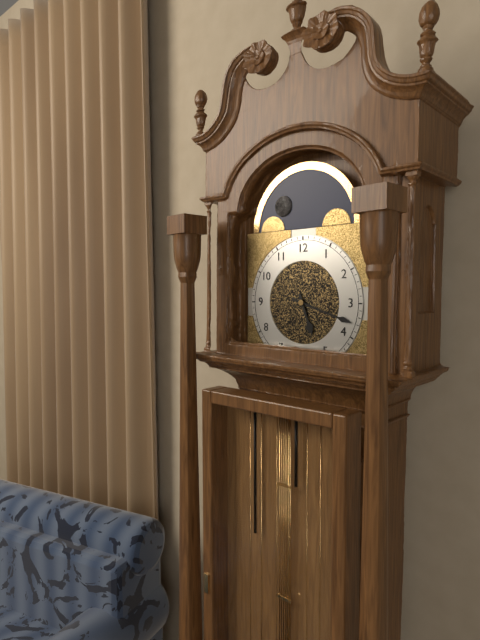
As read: 5:18
